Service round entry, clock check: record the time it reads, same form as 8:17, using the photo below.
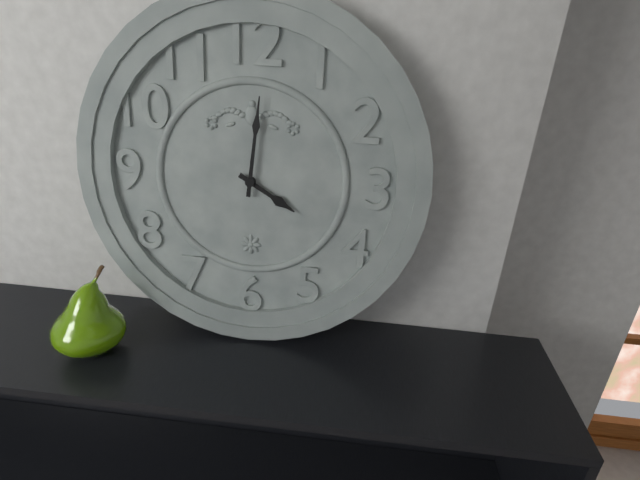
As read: 4:01
